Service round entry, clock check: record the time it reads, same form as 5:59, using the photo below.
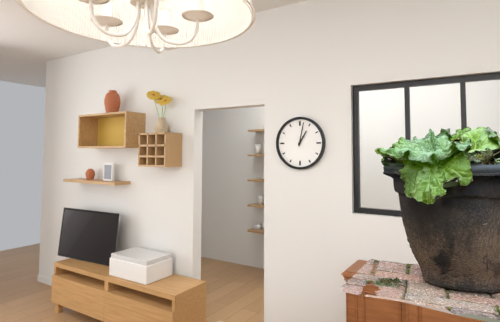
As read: 1:02
